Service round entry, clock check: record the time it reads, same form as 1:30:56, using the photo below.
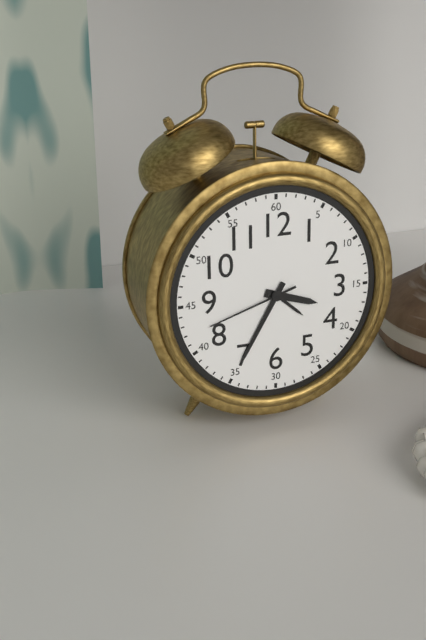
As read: 3:35:42
